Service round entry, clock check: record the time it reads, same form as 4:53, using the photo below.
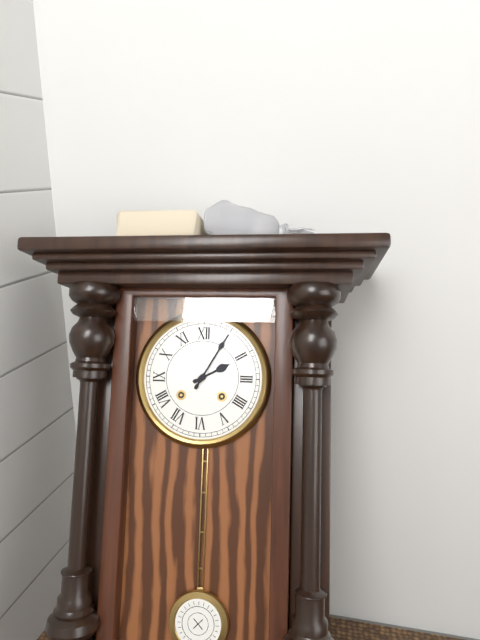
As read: 2:05
